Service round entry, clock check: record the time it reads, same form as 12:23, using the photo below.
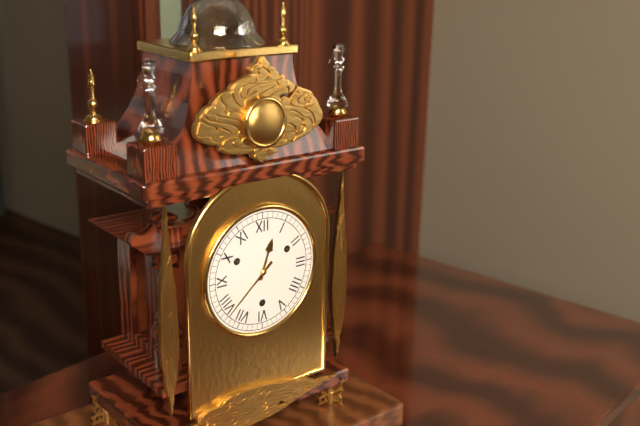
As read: 12:38
